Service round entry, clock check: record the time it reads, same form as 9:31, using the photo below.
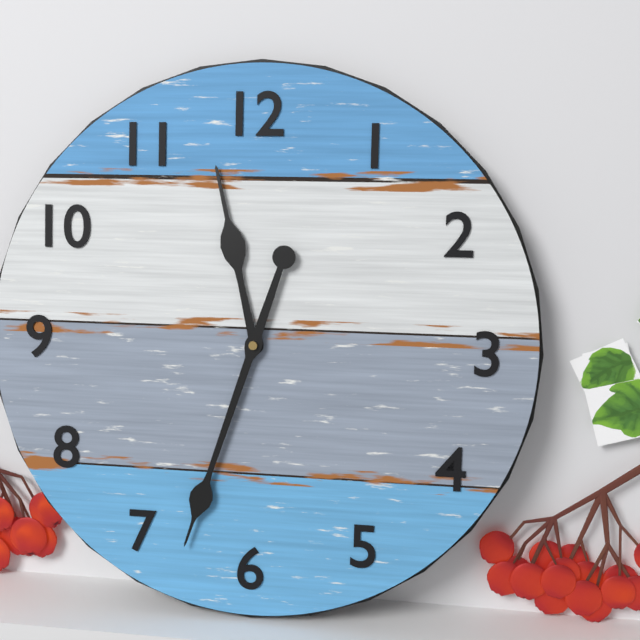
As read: 11:33
